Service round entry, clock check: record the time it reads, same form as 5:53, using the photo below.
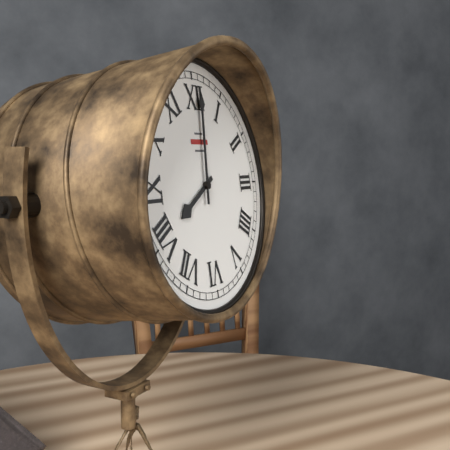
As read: 8:01
